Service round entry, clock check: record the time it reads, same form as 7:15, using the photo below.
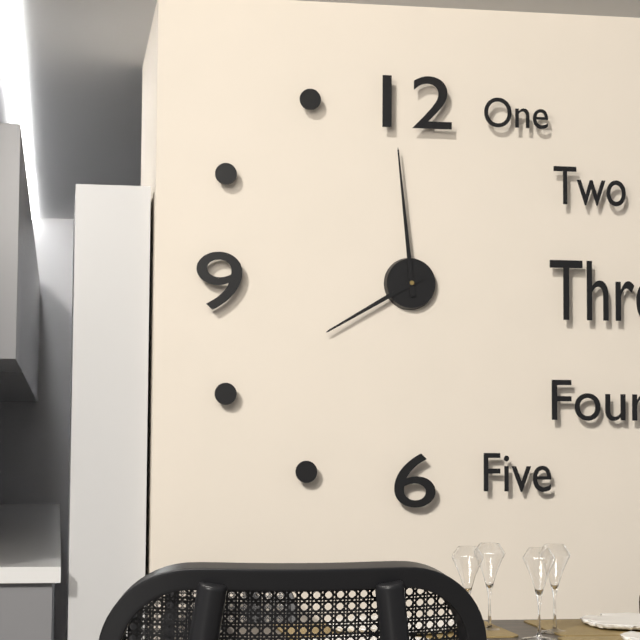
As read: 7:59
